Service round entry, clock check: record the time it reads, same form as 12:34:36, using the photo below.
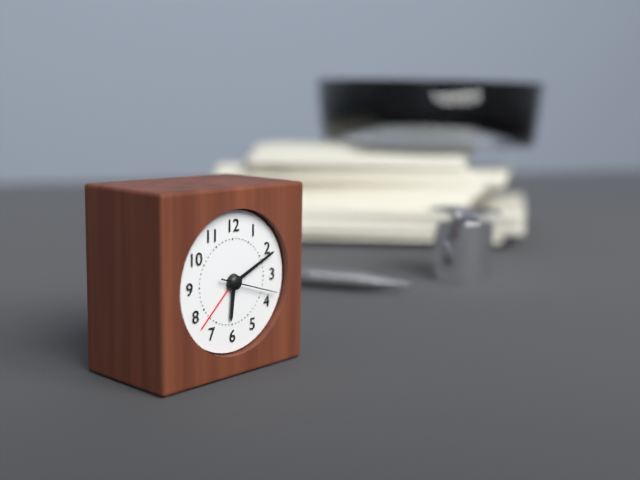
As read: 6:11:18
